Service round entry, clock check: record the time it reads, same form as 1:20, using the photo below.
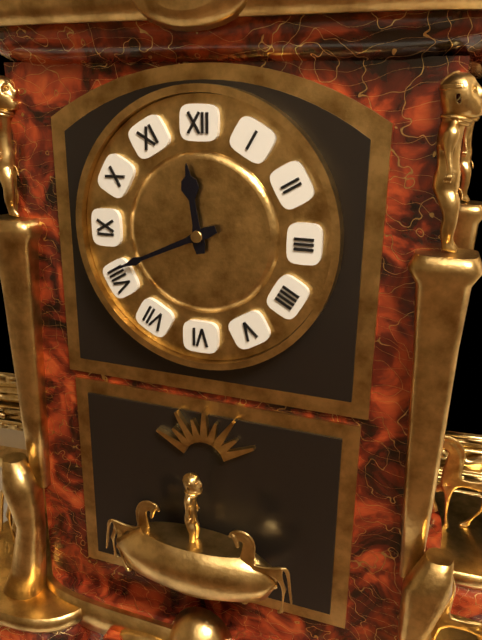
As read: 11:41
